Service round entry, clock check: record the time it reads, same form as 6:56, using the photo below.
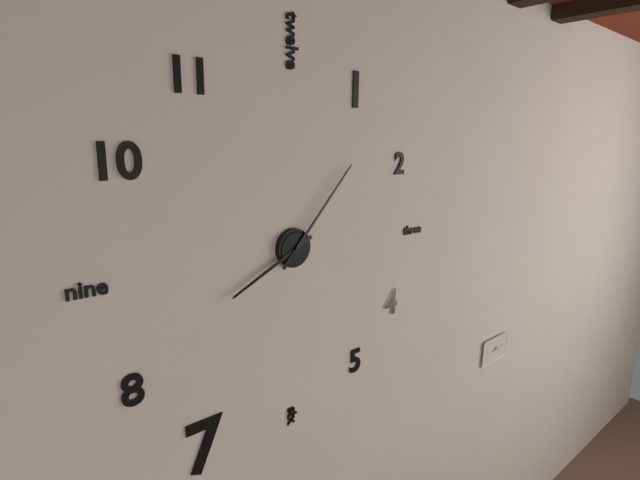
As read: 8:07
